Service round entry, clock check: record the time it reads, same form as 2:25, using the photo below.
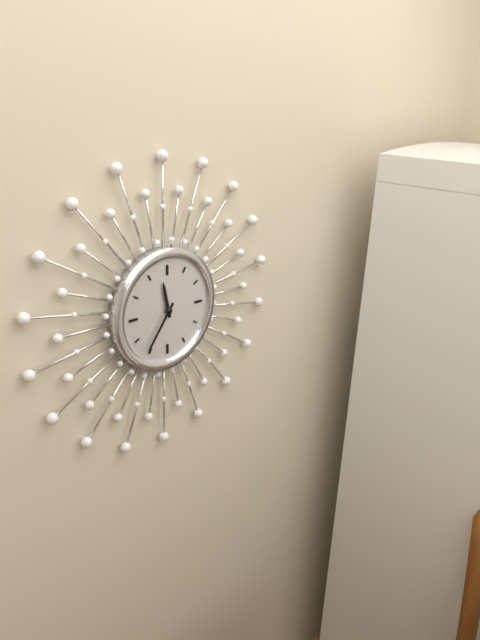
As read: 11:36
